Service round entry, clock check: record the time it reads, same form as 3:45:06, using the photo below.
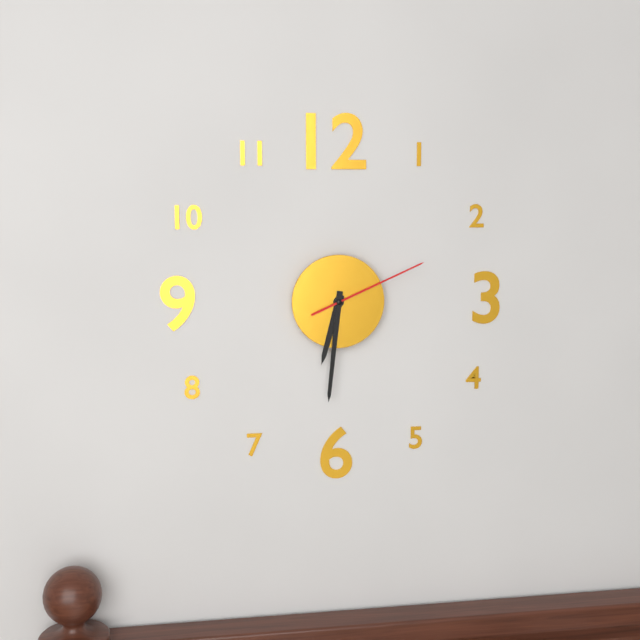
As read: 6:31:11
